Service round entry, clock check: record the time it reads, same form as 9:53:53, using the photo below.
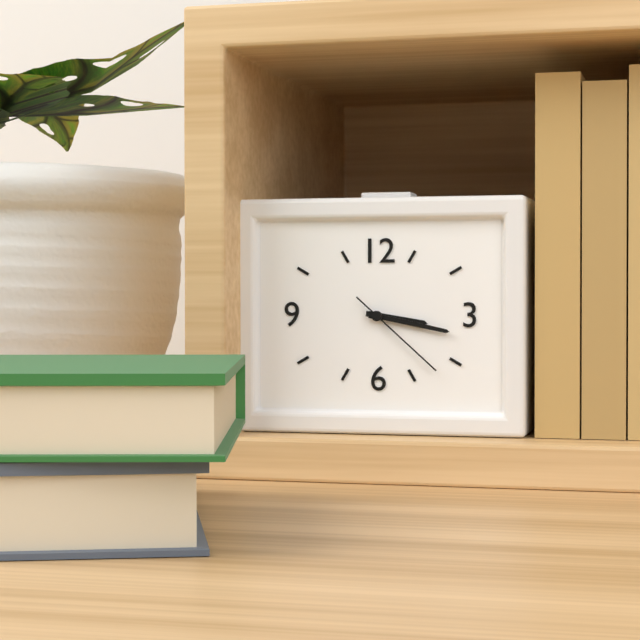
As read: 3:17:22
